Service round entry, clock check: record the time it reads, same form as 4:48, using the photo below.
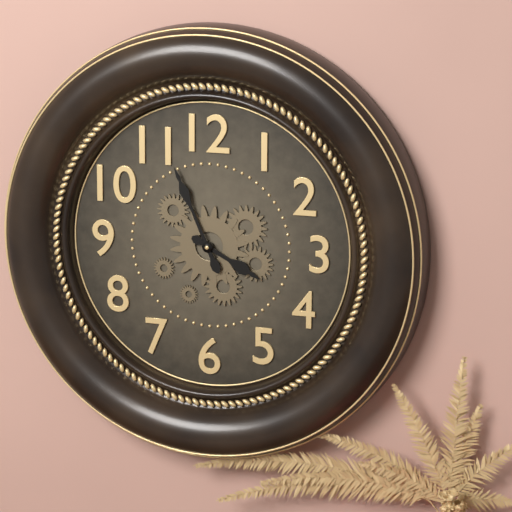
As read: 3:56
